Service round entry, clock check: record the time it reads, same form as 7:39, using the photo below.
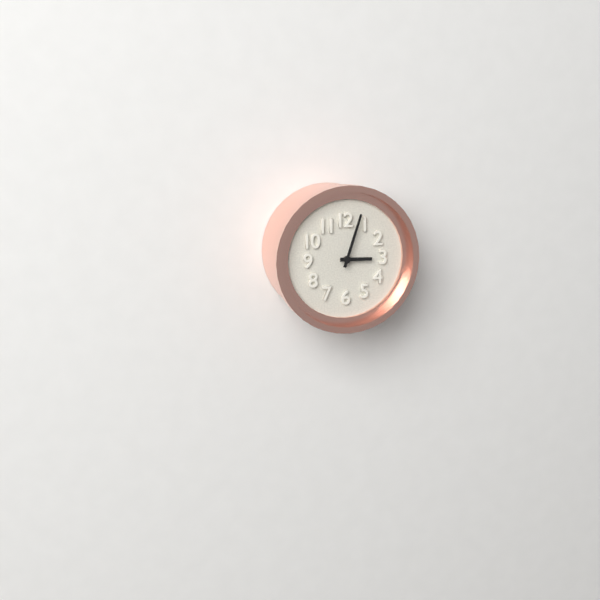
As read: 3:03
